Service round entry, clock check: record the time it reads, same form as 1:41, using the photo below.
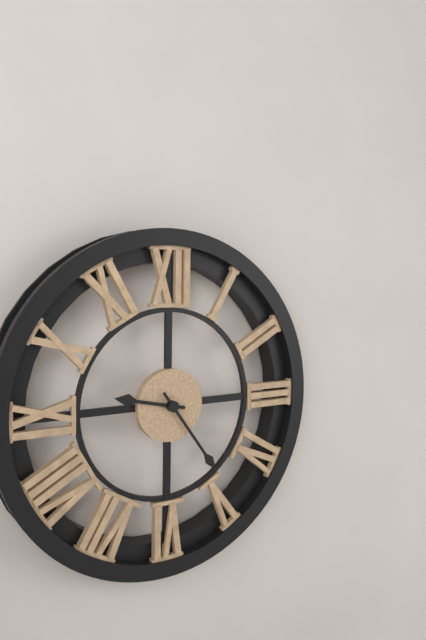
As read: 9:24
